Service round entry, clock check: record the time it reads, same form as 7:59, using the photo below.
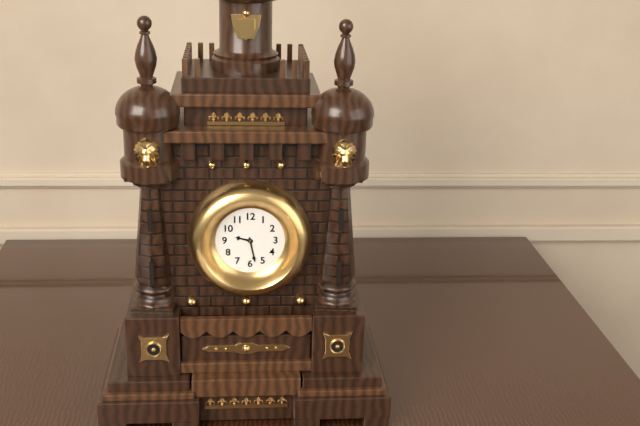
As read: 9:28
